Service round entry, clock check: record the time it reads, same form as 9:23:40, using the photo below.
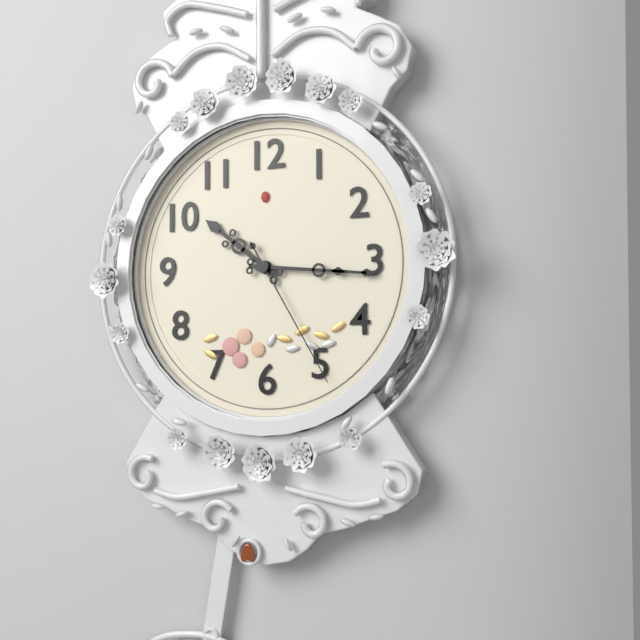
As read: 10:16:25
